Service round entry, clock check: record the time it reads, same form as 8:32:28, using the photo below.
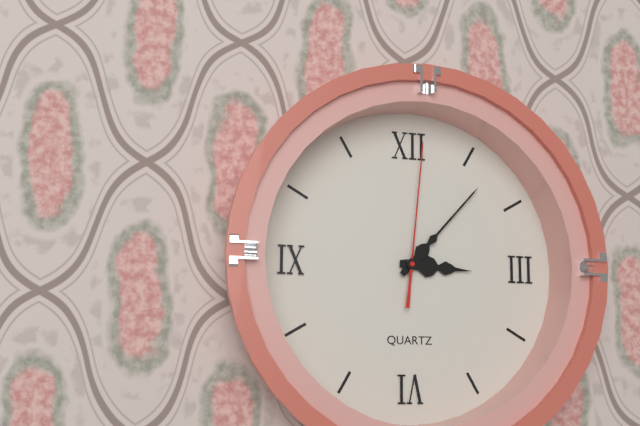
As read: 3:07:01
